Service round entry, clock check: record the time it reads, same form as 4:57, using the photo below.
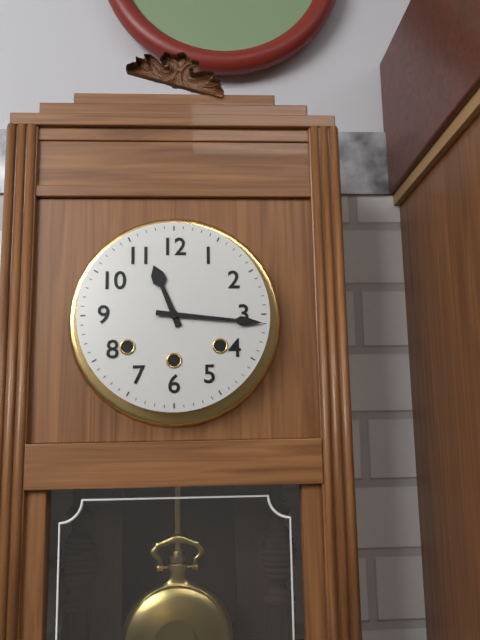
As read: 11:16
